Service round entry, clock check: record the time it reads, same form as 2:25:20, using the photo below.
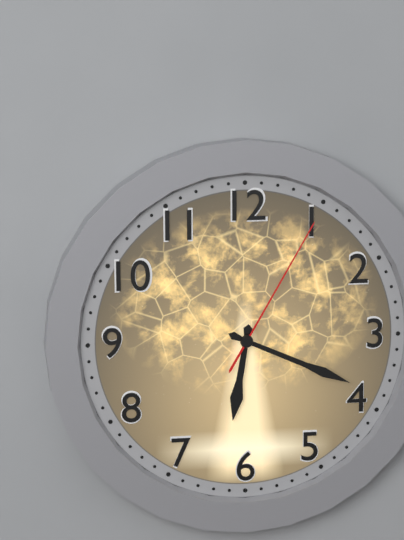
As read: 6:19:05
